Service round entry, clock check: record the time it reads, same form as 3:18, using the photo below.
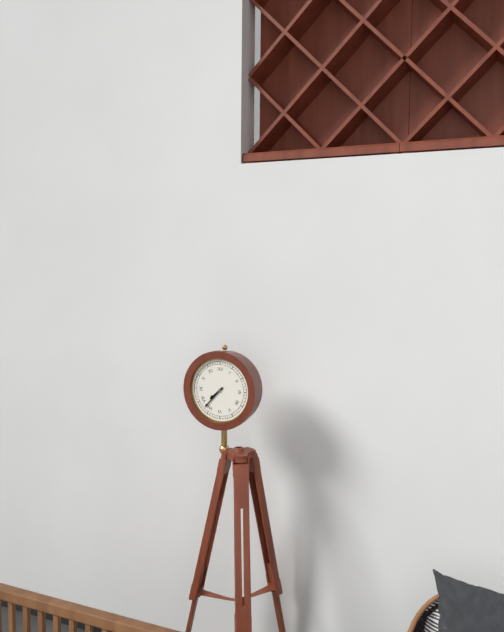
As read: 7:37
